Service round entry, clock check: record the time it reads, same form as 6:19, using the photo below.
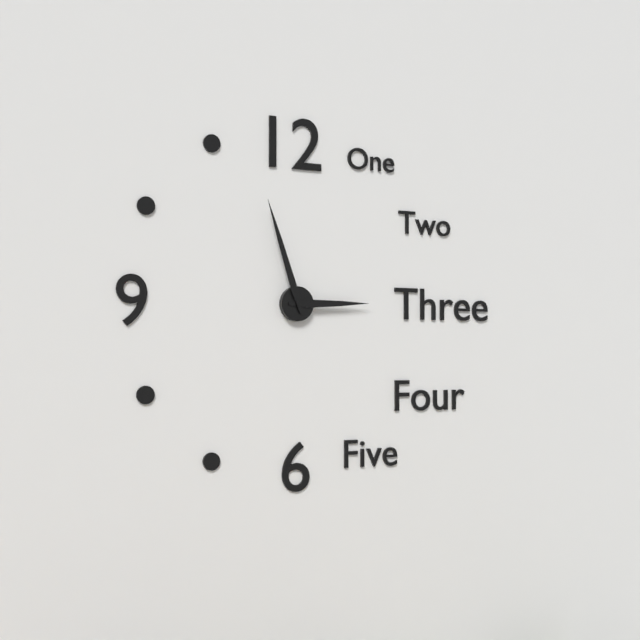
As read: 2:57
